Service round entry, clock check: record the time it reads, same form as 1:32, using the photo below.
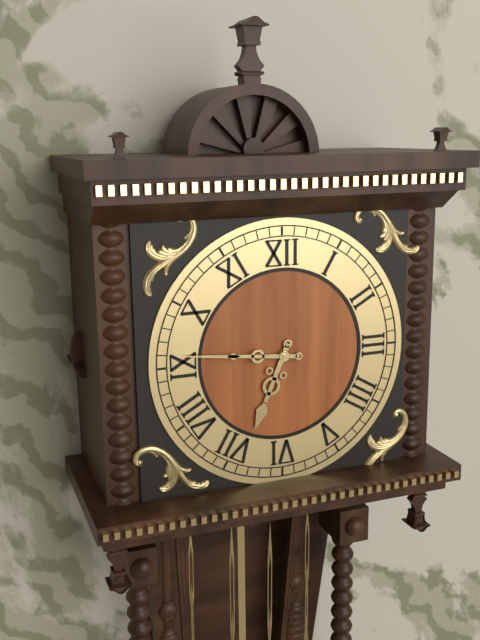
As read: 6:46
